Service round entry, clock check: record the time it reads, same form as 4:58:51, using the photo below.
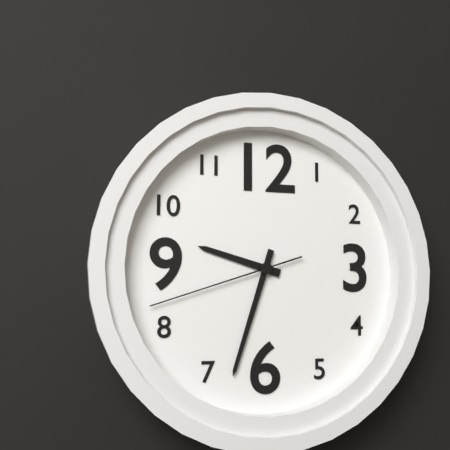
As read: 9:33:42
